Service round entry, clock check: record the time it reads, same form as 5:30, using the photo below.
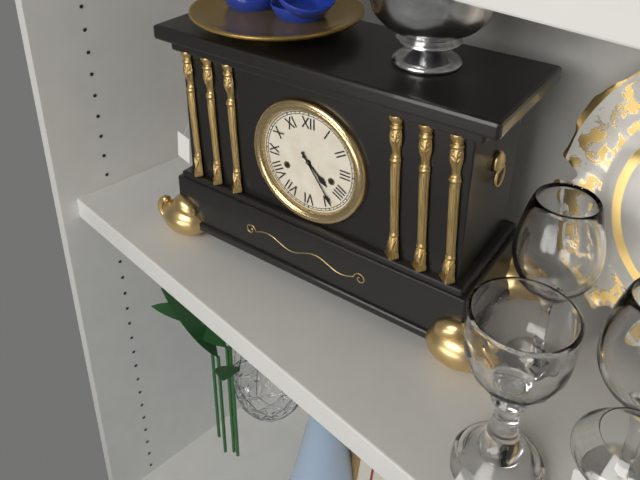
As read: 4:24
